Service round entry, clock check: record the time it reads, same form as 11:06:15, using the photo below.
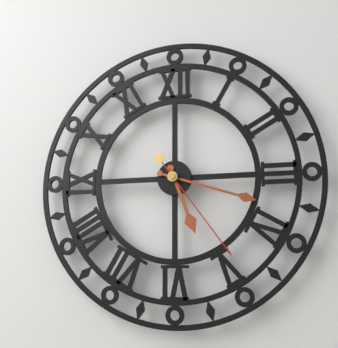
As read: 5:18:24
